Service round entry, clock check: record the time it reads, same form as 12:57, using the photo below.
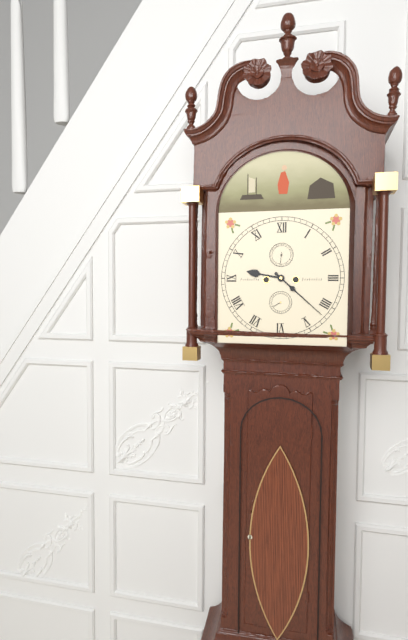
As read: 9:22
